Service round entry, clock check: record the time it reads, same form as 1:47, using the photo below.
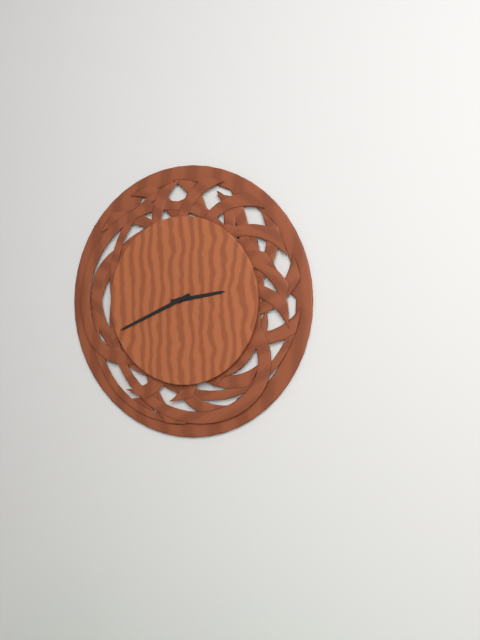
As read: 2:41
